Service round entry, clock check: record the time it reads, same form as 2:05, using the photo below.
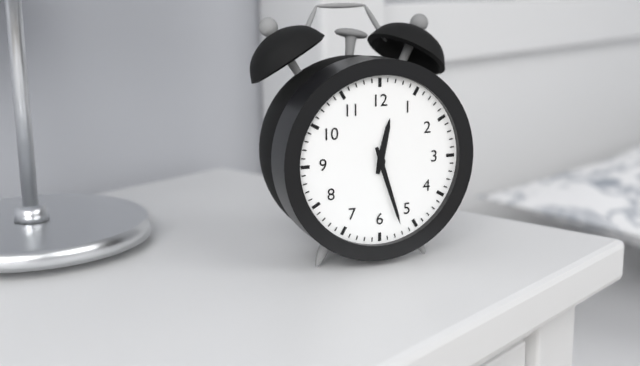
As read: 12:27
